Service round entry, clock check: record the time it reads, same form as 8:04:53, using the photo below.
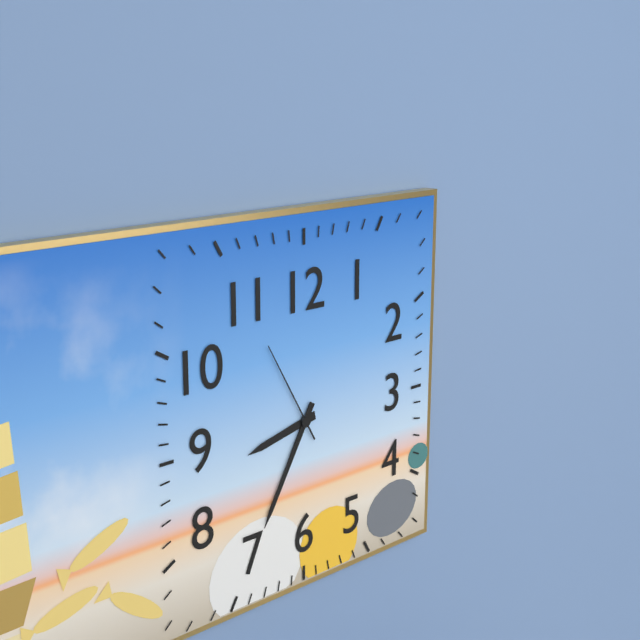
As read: 8:35:55
